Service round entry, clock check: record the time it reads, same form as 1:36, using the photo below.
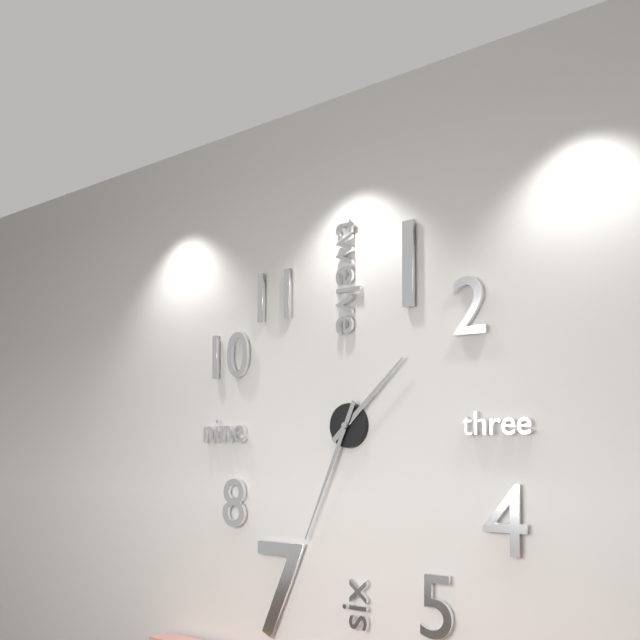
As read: 1:34
